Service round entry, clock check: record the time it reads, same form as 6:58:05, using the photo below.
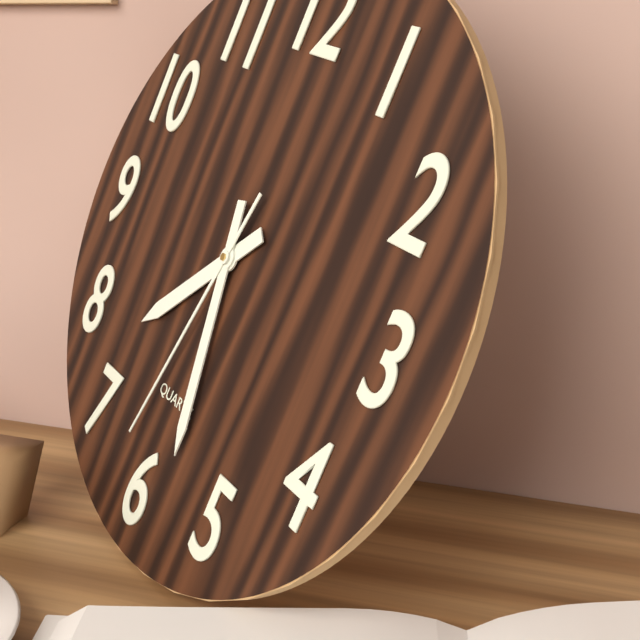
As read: 7:28:32
